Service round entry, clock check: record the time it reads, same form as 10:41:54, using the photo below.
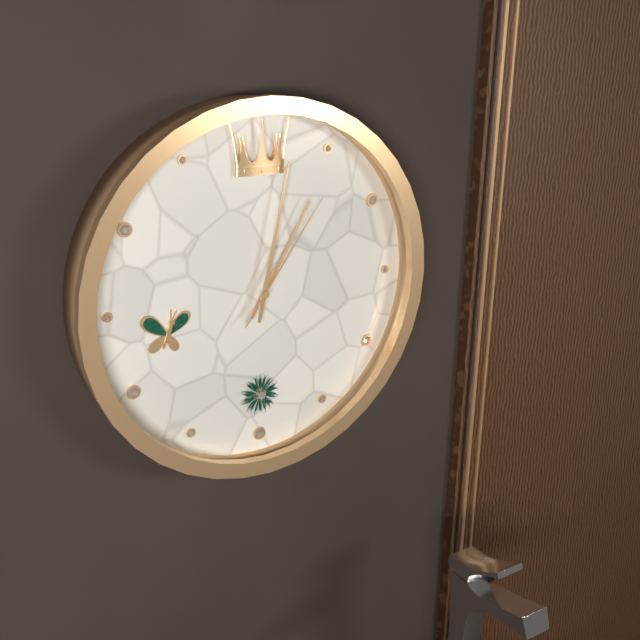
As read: 1:02:06
